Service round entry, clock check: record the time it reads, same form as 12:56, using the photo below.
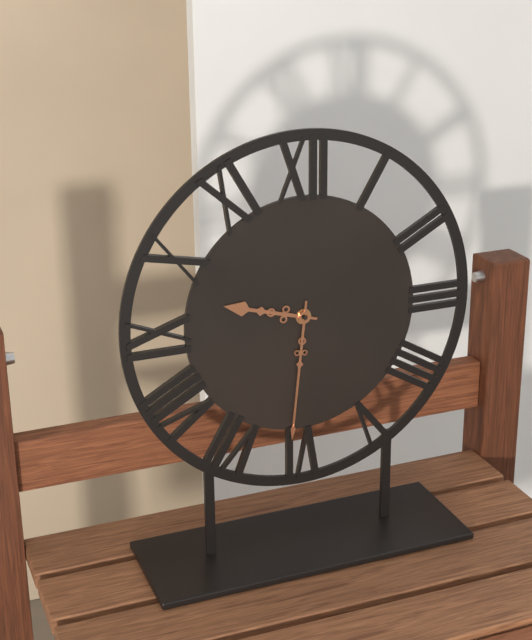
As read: 9:31
